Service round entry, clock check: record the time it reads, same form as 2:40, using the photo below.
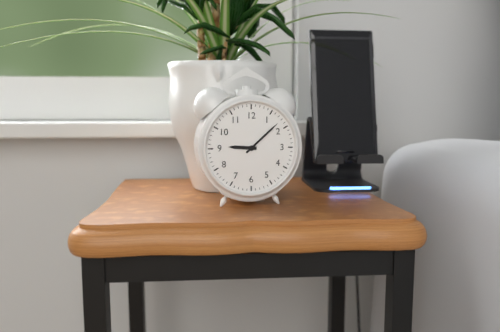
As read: 9:08
